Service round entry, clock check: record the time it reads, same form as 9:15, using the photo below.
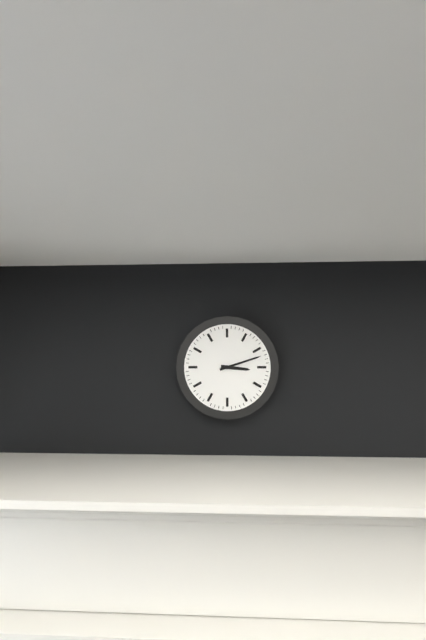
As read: 3:12
